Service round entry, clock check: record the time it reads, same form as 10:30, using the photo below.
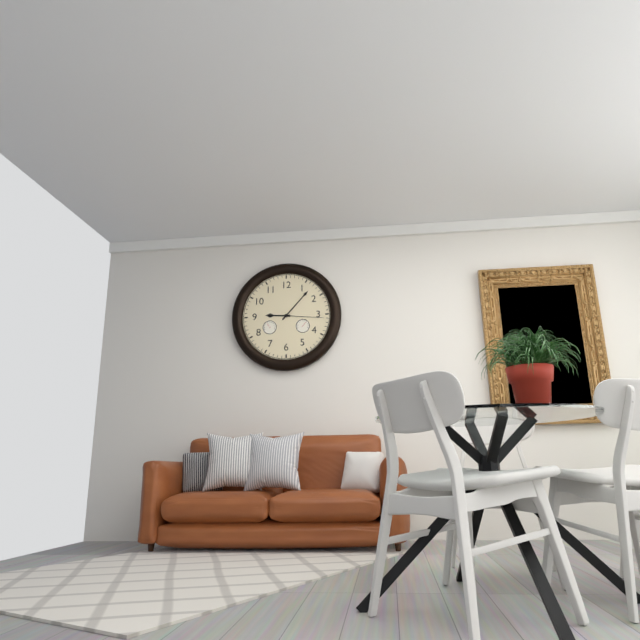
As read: 9:07
